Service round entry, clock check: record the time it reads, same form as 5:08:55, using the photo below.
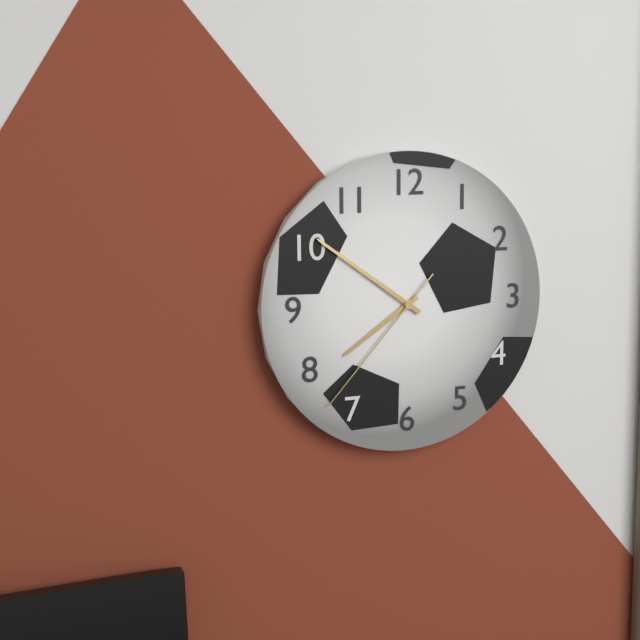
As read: 7:51:37
